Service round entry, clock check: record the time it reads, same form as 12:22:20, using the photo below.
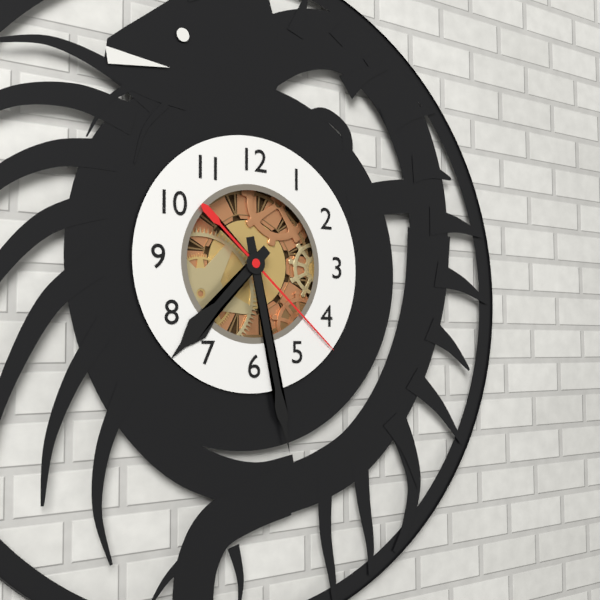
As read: 7:28:22
